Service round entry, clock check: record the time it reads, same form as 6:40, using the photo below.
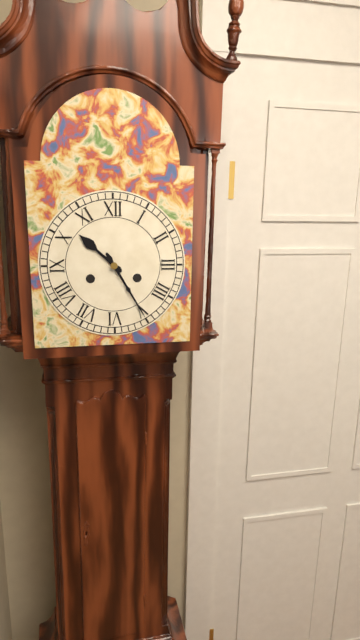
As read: 10:25
